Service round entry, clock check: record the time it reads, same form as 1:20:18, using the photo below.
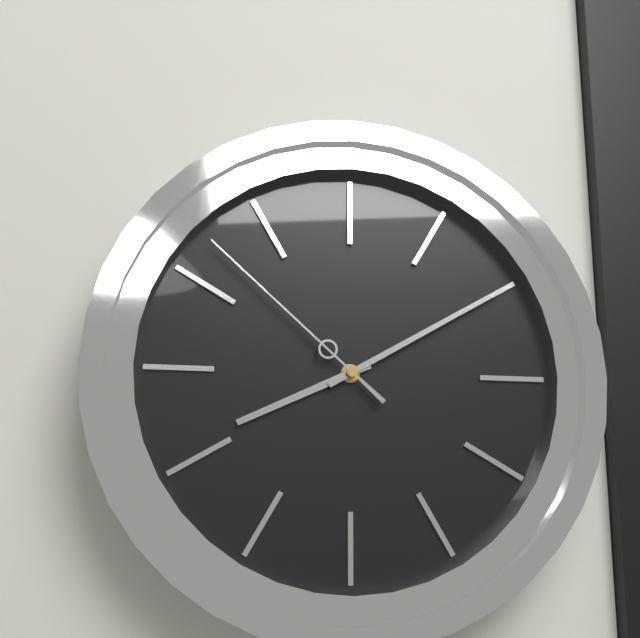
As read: 8:10:52
